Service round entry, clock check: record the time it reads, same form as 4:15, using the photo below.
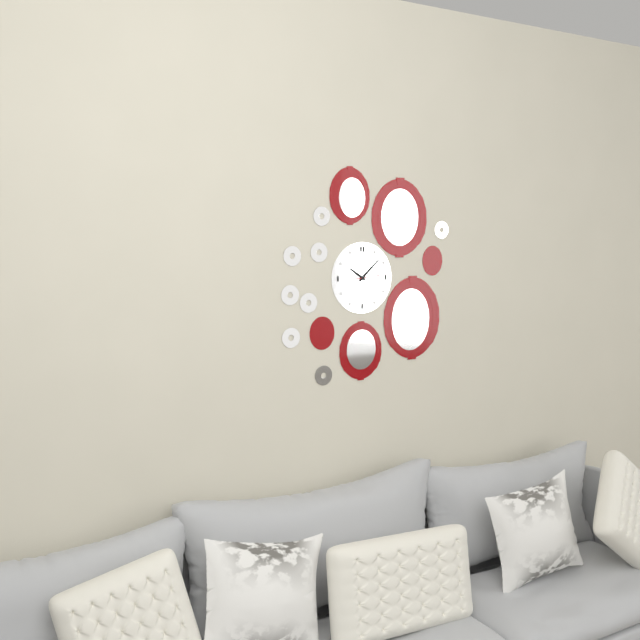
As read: 10:08
